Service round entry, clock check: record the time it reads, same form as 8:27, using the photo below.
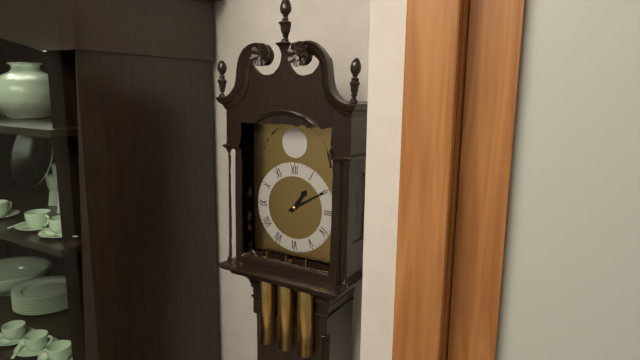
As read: 1:10
